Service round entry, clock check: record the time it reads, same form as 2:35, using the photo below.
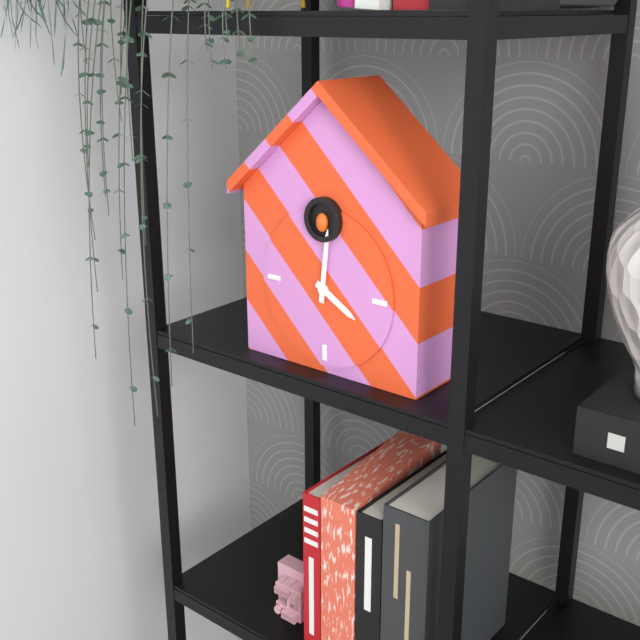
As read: 4:01
